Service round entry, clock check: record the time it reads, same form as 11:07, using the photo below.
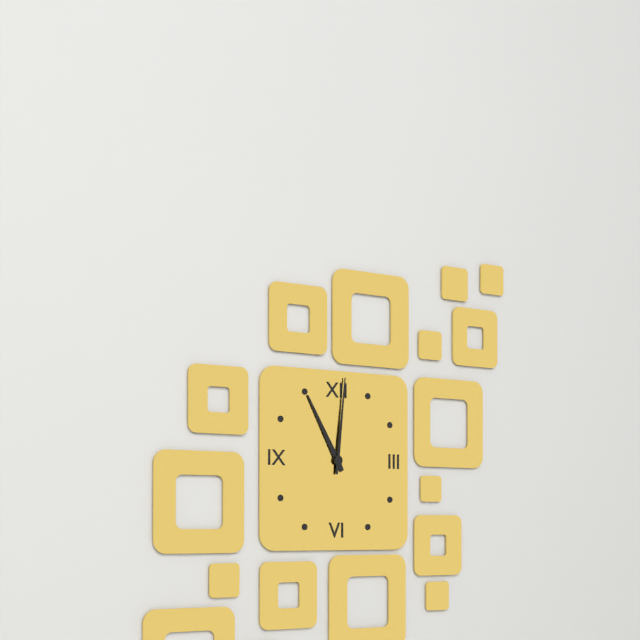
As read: 11:01
